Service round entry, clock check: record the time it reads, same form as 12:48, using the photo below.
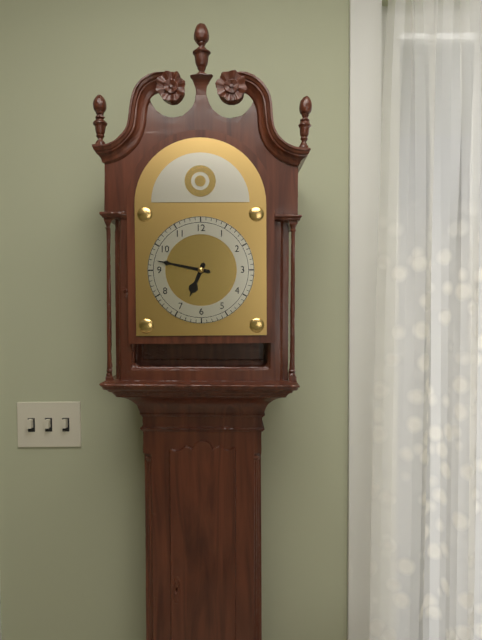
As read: 6:47
